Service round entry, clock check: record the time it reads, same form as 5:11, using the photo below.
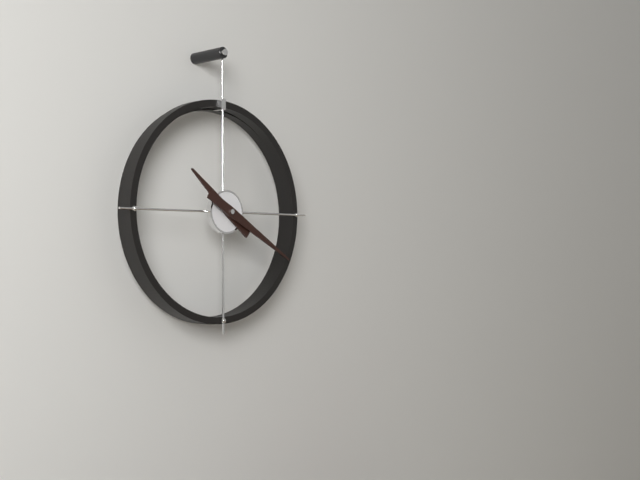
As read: 10:20
